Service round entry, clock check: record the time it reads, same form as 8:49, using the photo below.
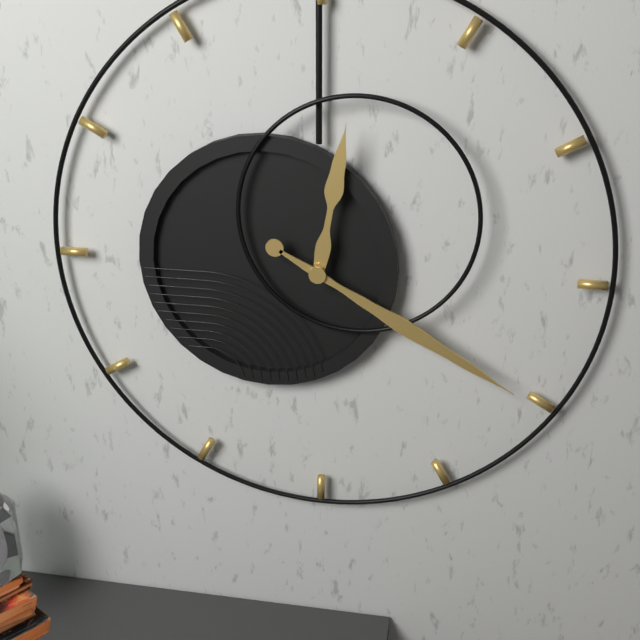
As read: 12:20
